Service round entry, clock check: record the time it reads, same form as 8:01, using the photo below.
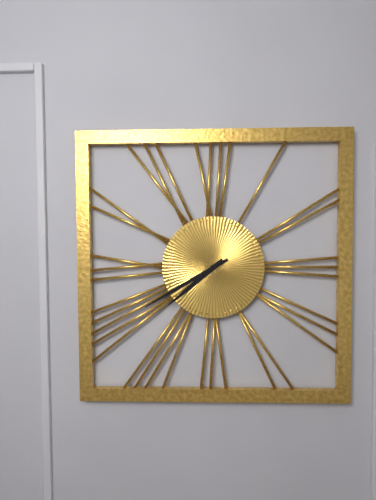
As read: 7:40
